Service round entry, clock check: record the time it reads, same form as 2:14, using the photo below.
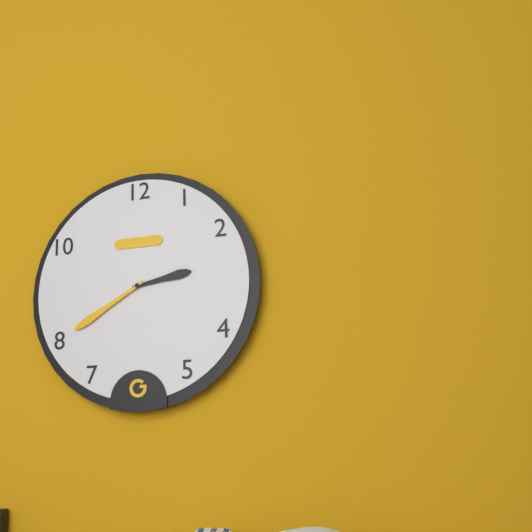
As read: 2:40
